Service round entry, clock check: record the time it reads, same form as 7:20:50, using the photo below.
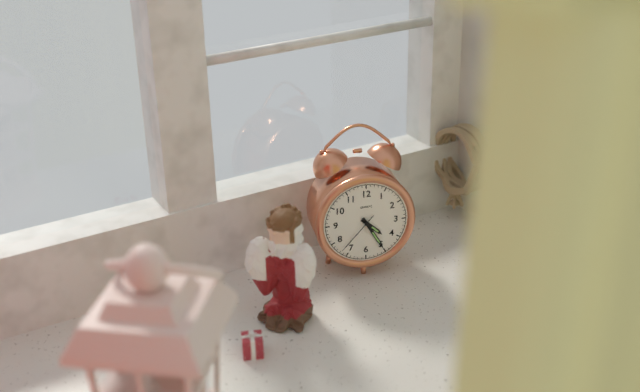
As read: 4:25:37
